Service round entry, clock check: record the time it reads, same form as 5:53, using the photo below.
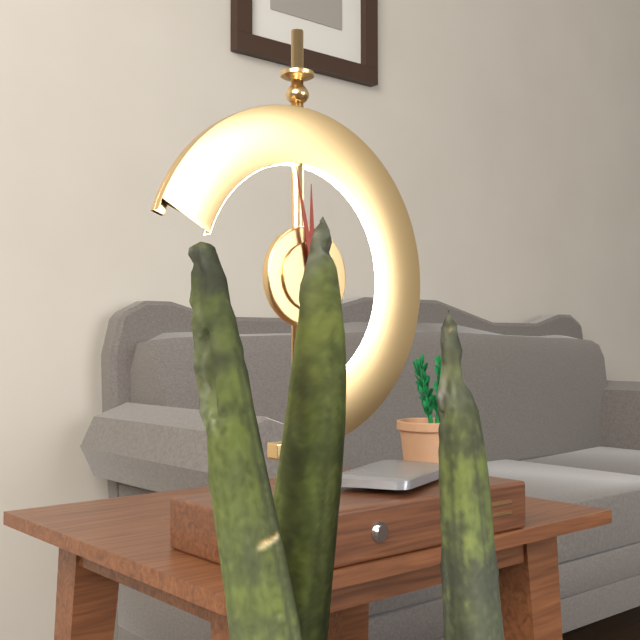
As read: 11:58
